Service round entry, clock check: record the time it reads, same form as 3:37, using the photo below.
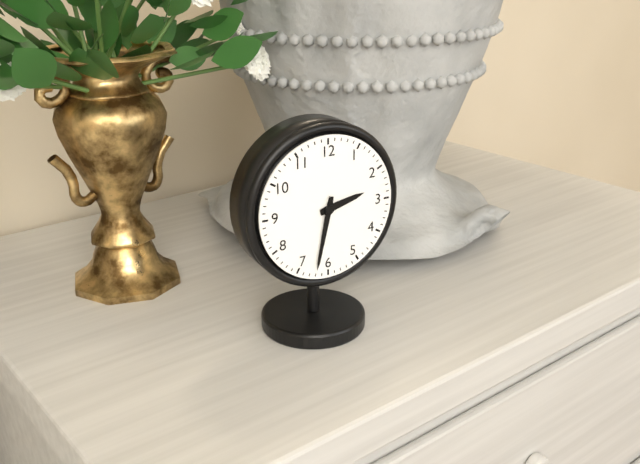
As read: 2:32
